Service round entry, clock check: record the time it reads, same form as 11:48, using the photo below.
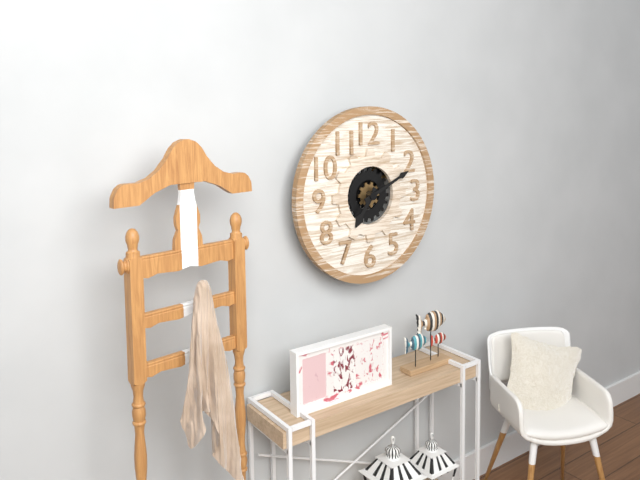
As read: 7:11
